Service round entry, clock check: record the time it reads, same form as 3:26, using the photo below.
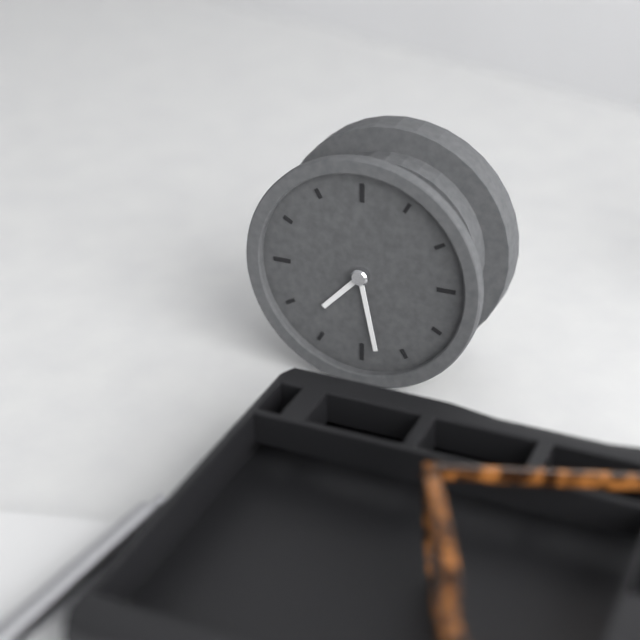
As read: 7:28
